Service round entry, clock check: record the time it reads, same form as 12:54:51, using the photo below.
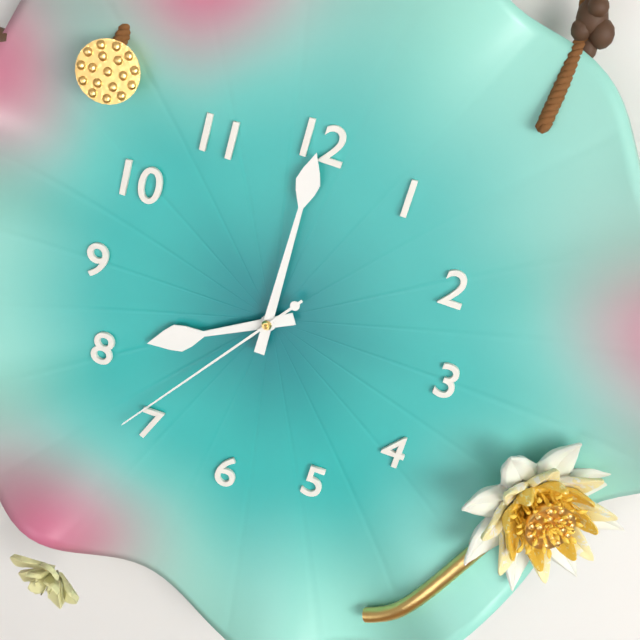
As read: 8:00:36
